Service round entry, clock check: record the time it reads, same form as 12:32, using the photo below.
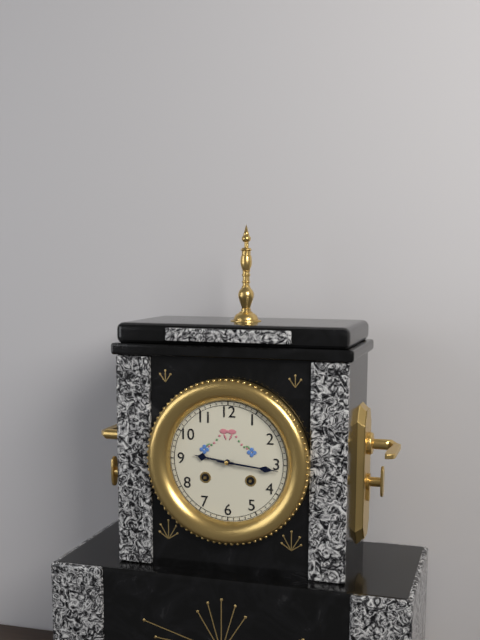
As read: 9:16
